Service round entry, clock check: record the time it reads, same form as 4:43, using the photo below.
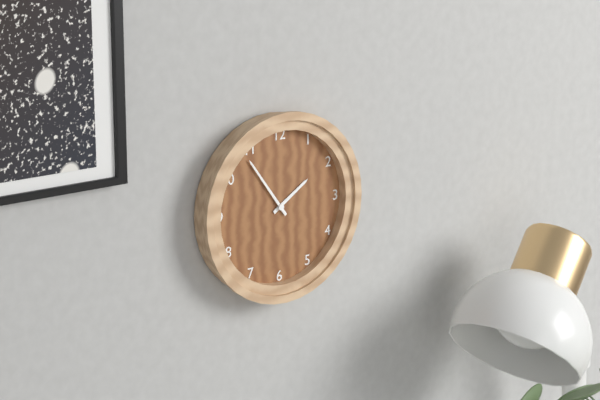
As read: 1:54
